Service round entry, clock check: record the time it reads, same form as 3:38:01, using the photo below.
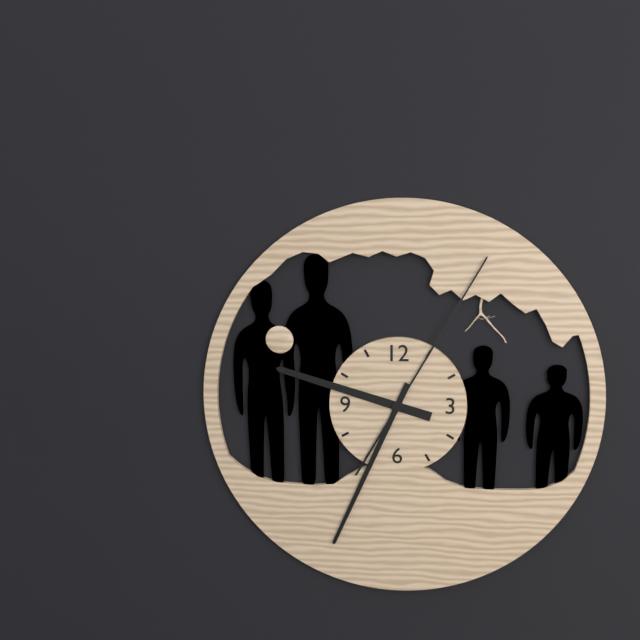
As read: 9:34:05
